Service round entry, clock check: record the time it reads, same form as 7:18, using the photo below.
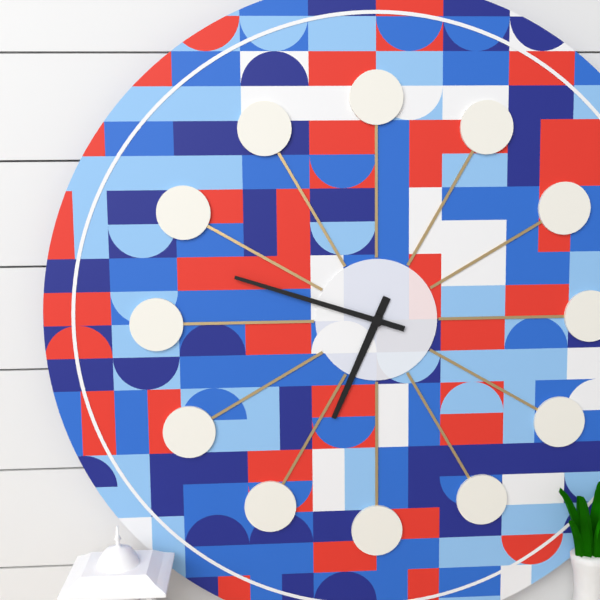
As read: 6:48
